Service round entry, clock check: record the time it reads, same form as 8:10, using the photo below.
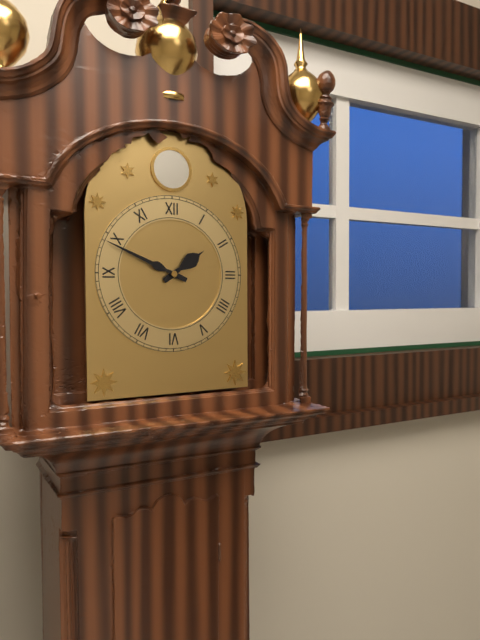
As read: 1:49
